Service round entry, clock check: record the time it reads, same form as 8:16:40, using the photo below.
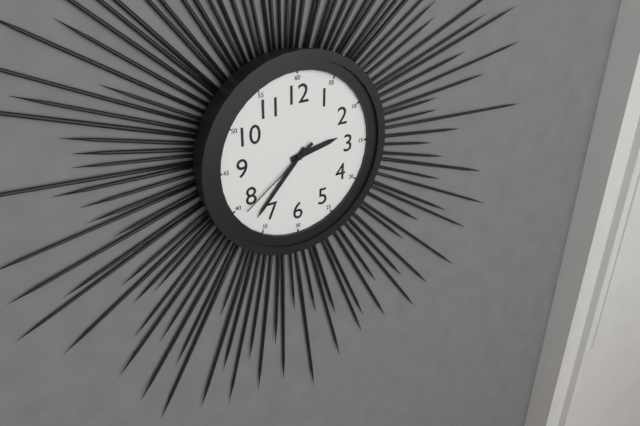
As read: 2:37:39
